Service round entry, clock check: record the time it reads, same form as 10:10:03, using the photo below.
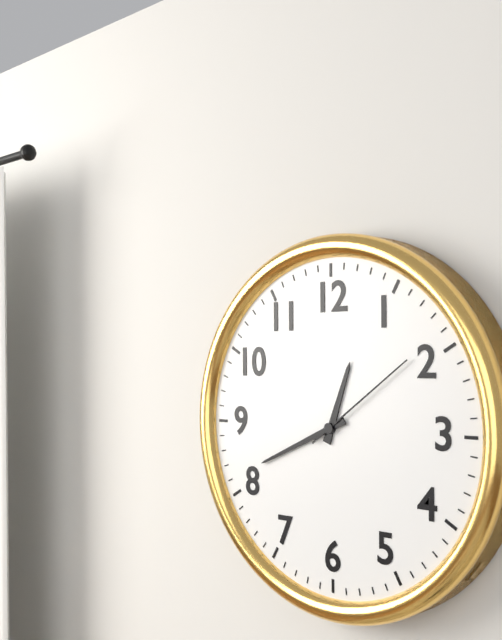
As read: 12:41:09
